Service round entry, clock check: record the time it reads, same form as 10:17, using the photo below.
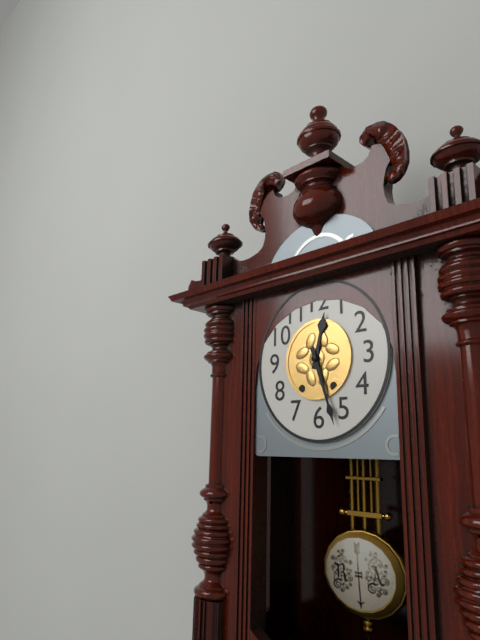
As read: 12:27
